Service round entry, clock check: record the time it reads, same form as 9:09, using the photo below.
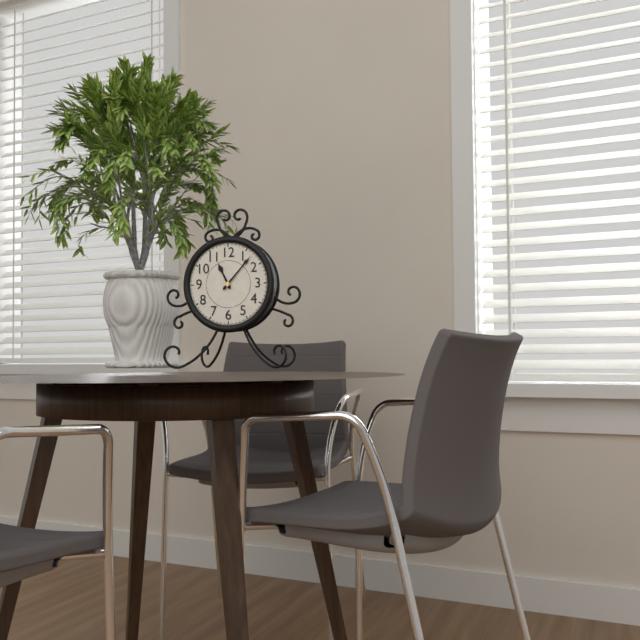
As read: 11:07
